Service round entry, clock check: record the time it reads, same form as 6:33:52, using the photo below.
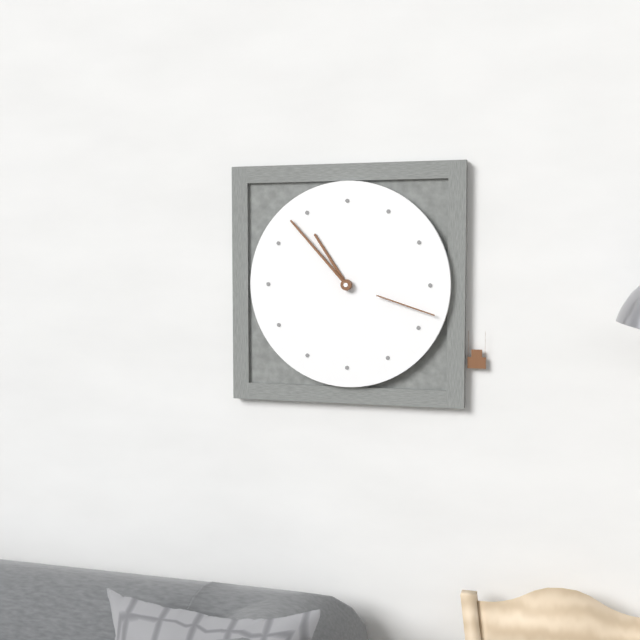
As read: 10:53:18
